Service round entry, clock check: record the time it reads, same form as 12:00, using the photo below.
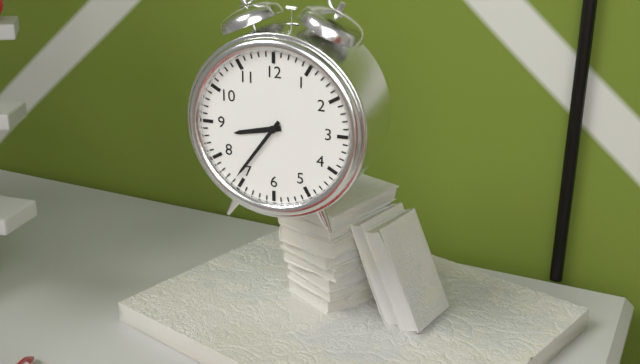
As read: 8:36
